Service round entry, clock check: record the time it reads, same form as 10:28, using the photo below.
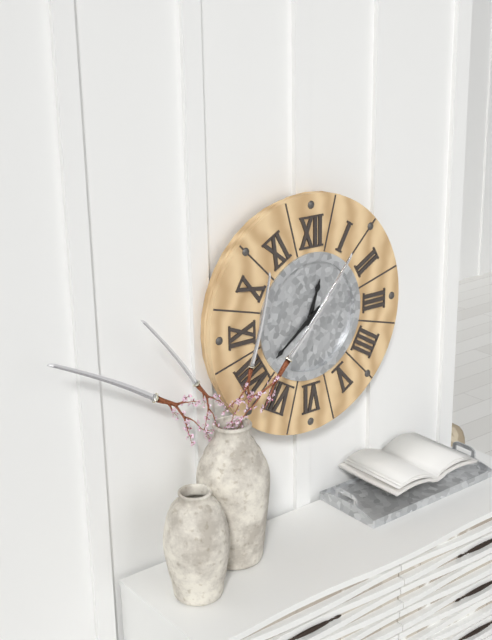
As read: 12:39
